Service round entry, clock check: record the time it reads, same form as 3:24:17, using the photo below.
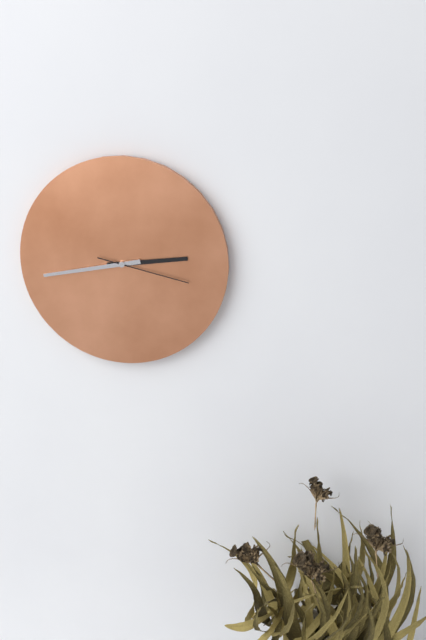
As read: 2:43:17
